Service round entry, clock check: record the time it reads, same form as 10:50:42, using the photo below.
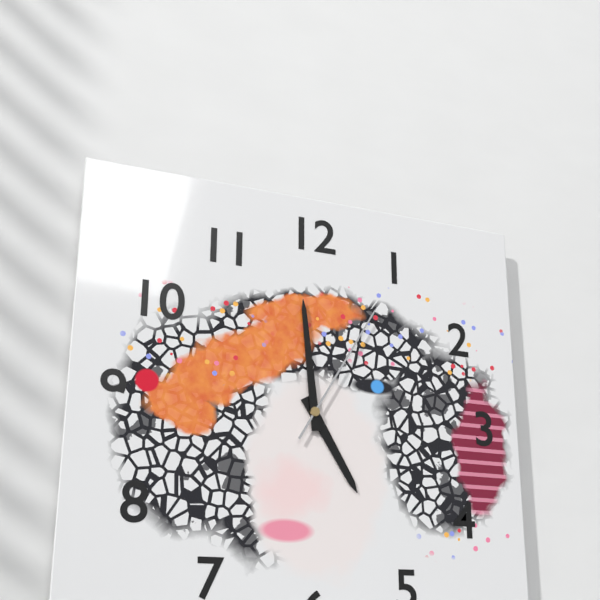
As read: 4:59:05
